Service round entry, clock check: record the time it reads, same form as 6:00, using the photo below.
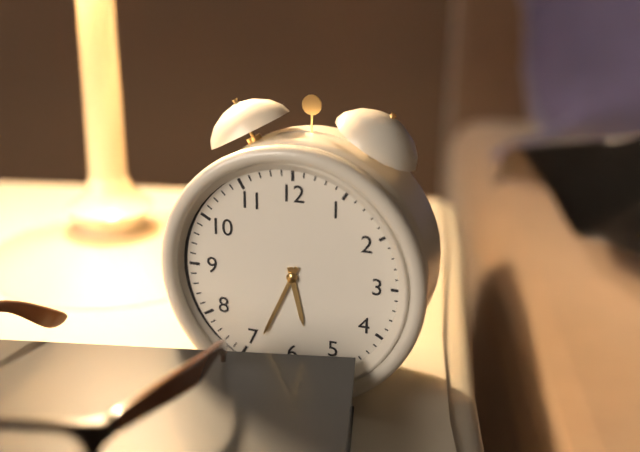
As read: 5:34
